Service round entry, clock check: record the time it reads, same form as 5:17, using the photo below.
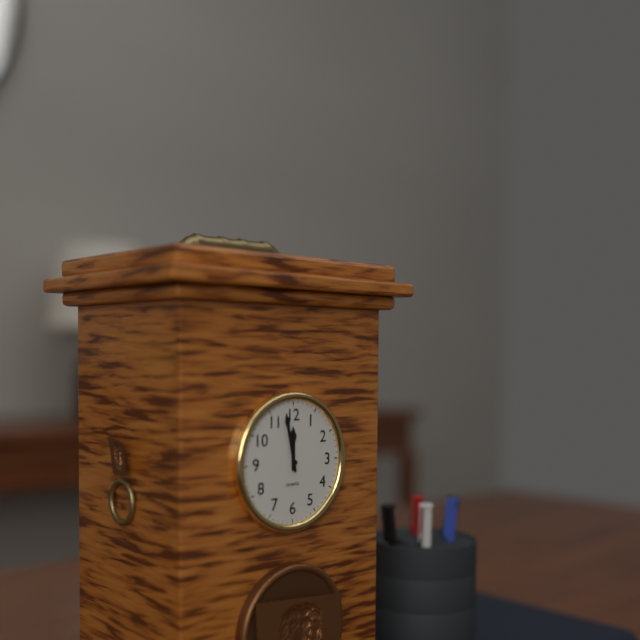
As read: 11:58
